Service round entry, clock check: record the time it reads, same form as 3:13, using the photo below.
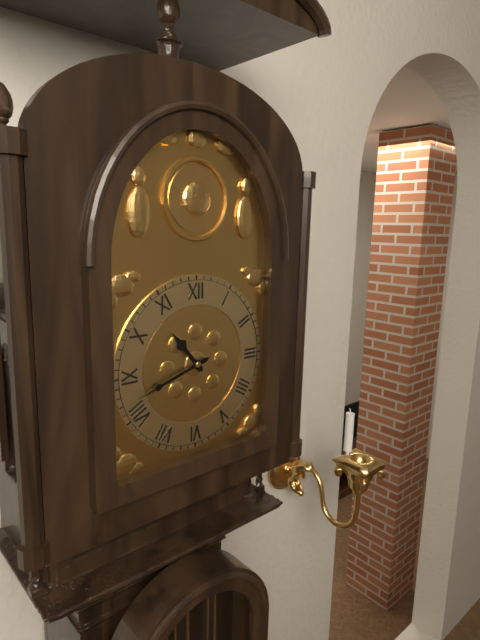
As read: 10:42
